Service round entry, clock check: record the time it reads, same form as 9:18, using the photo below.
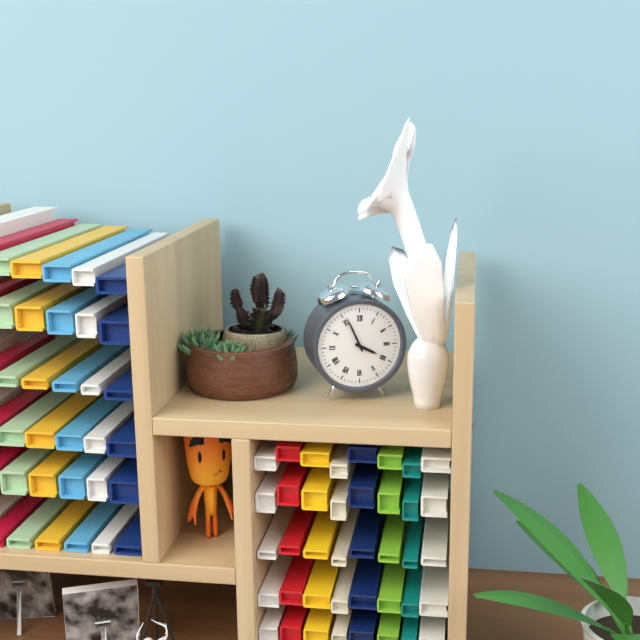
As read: 3:56
